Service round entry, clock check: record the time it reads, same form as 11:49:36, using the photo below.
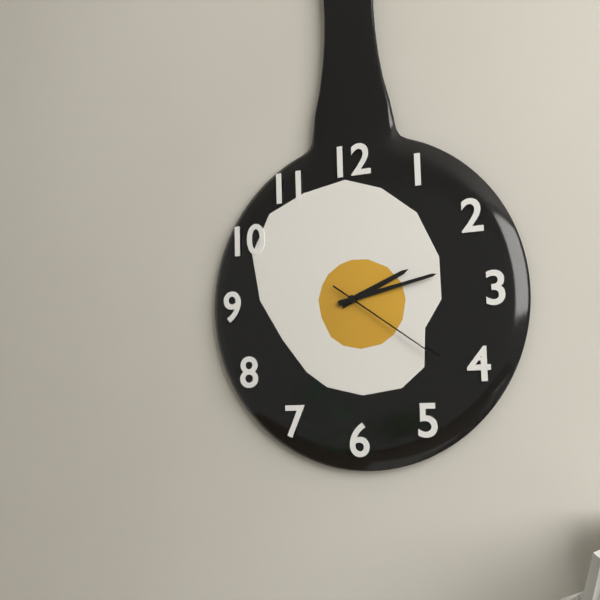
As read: 2:13:21
